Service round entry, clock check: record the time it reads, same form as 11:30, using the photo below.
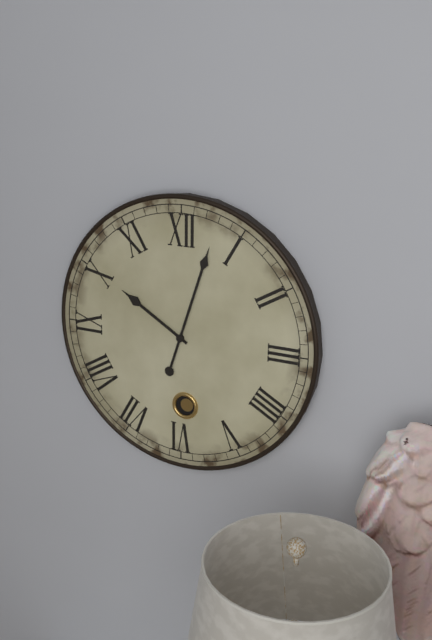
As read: 10:03
